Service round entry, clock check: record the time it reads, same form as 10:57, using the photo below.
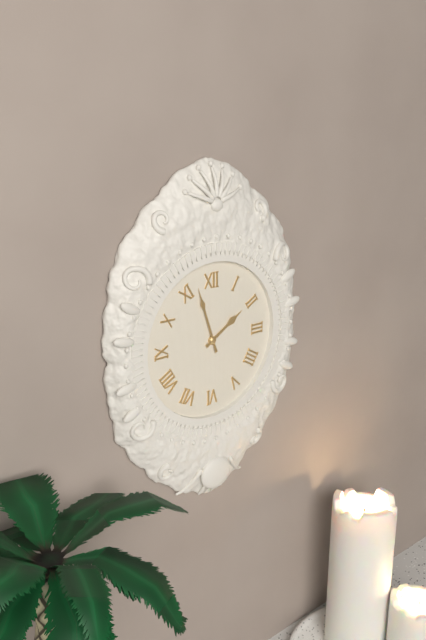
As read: 1:57
